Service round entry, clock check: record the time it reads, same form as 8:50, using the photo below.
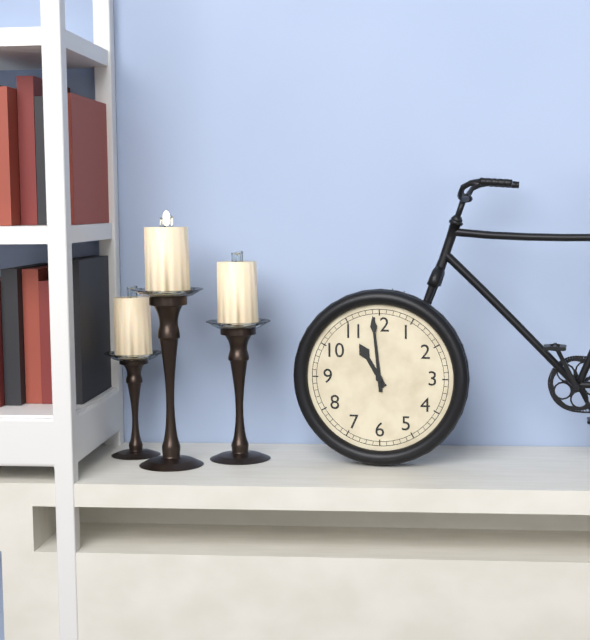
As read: 10:59
